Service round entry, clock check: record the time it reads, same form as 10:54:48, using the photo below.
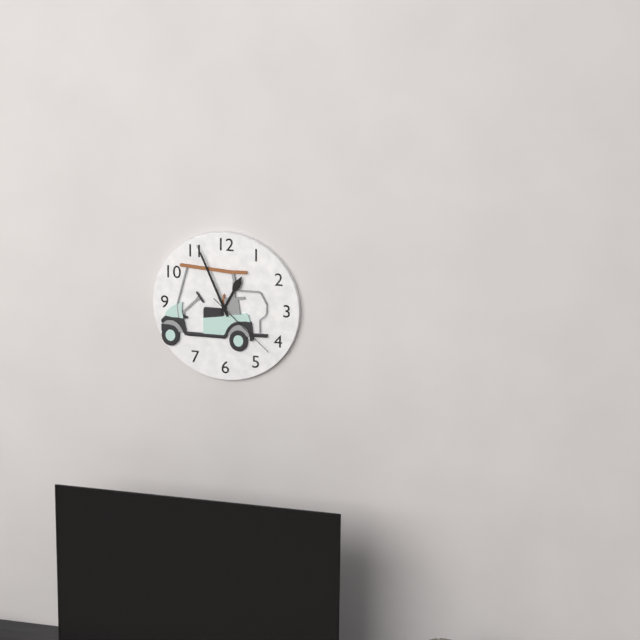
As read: 12:56:22
